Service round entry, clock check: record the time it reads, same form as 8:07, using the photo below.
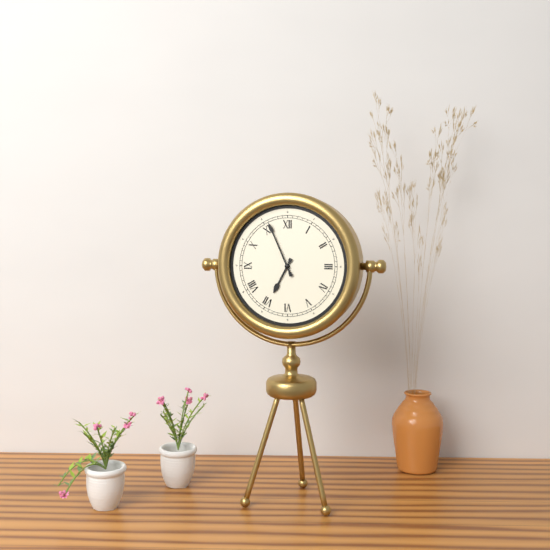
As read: 6:56
